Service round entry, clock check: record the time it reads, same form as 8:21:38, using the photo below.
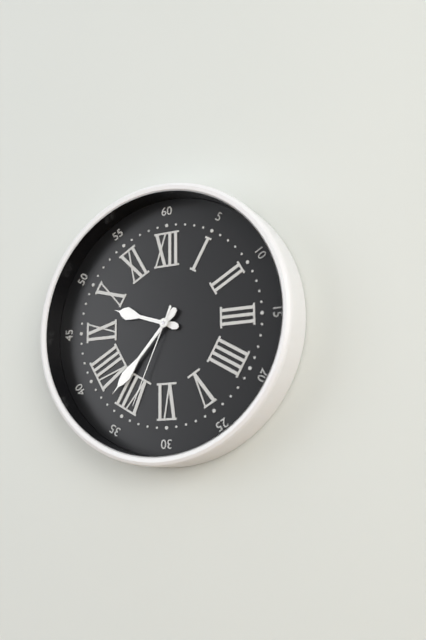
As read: 9:37:34
